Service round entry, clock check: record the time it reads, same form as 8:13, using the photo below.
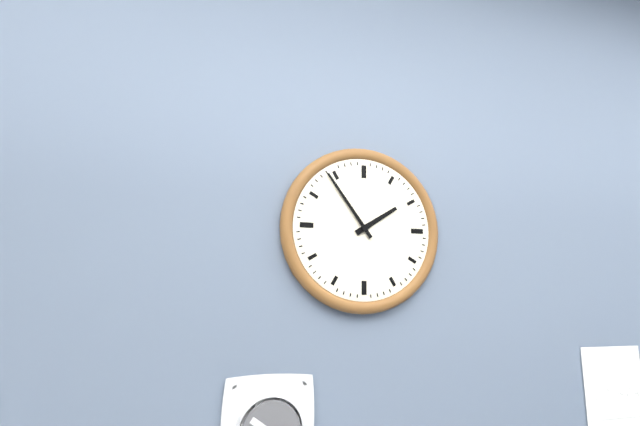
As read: 1:54
